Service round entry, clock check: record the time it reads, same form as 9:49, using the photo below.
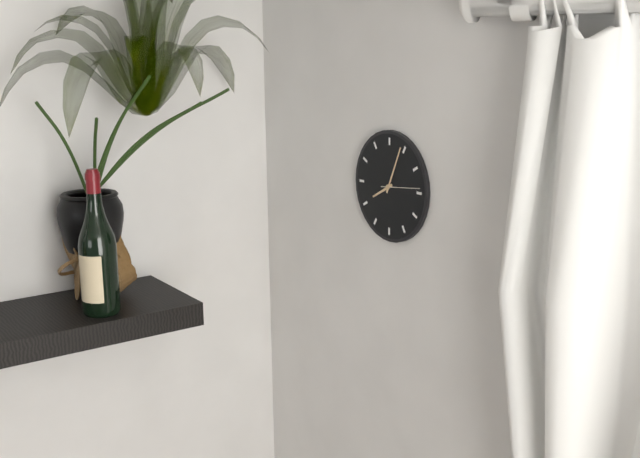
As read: 8:04
